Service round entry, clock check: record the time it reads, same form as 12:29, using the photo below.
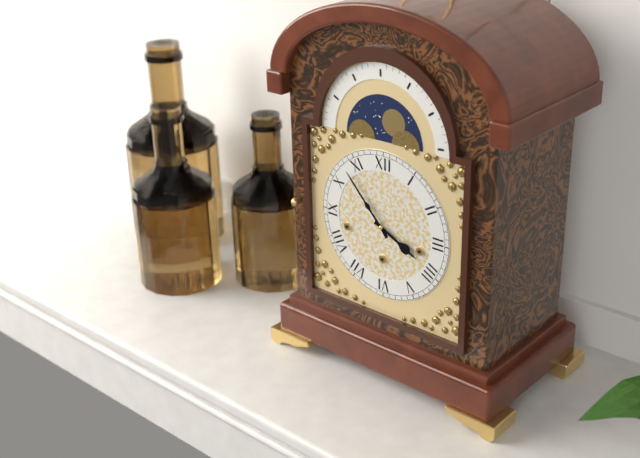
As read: 3:53
